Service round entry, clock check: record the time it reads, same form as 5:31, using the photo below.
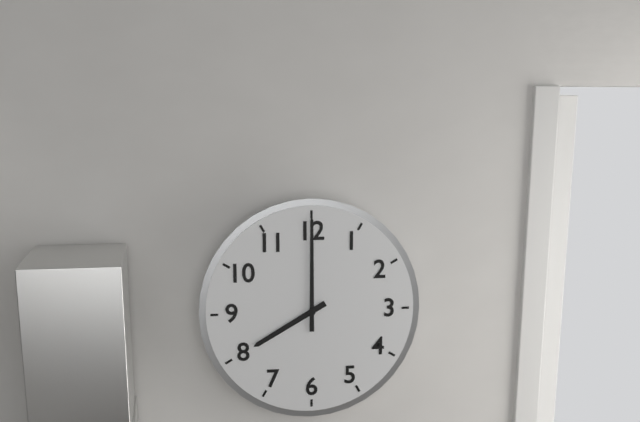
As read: 8:00
